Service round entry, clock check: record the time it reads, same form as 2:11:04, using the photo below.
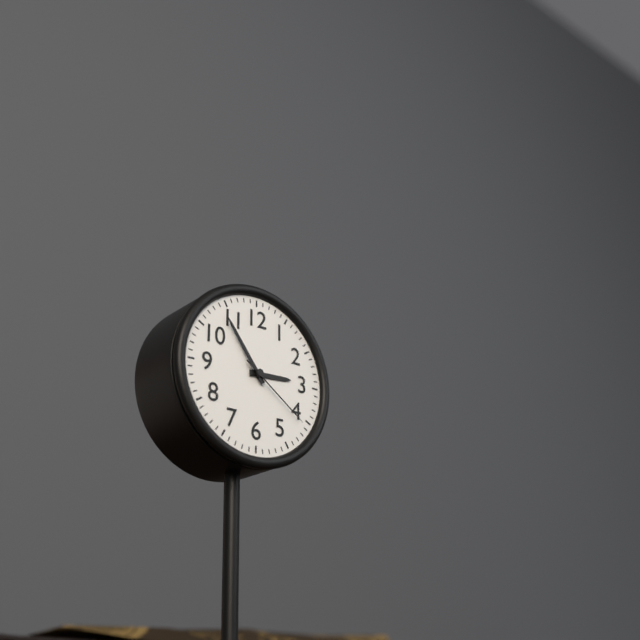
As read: 2:54:21
